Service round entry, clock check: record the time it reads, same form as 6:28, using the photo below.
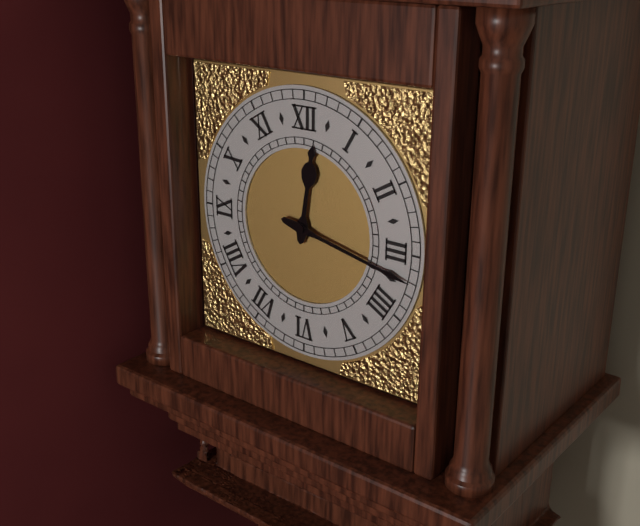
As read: 12:17
